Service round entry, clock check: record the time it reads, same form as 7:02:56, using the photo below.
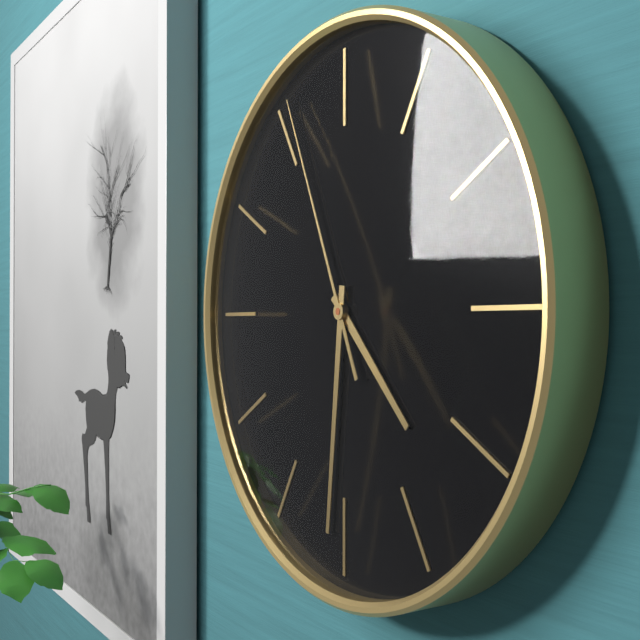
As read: 4:31:56
